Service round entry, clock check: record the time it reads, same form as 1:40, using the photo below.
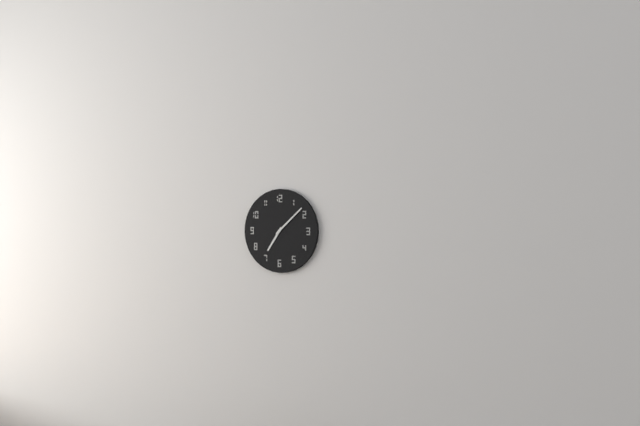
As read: 7:08
